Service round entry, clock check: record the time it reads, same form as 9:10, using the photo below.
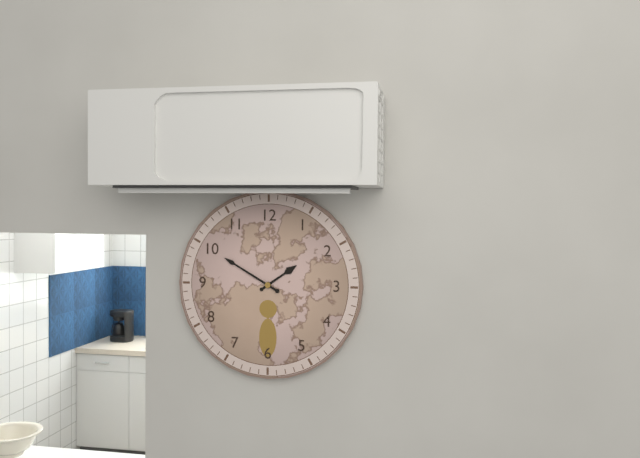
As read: 1:50
